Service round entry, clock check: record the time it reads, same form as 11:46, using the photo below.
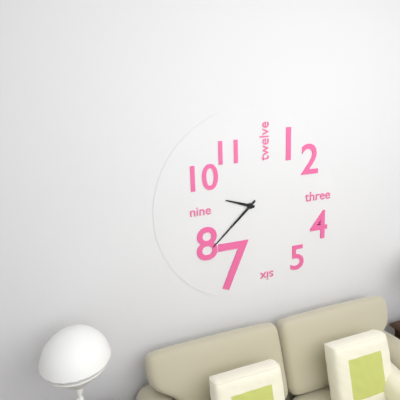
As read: 9:38
